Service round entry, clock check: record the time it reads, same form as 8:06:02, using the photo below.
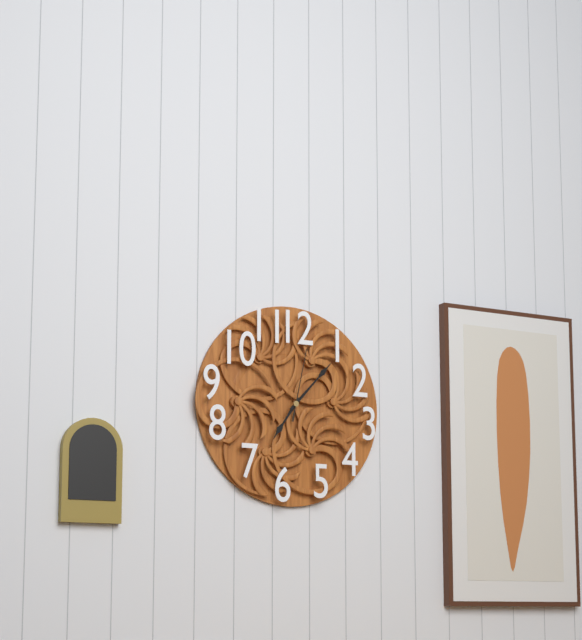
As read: 7:07:02
